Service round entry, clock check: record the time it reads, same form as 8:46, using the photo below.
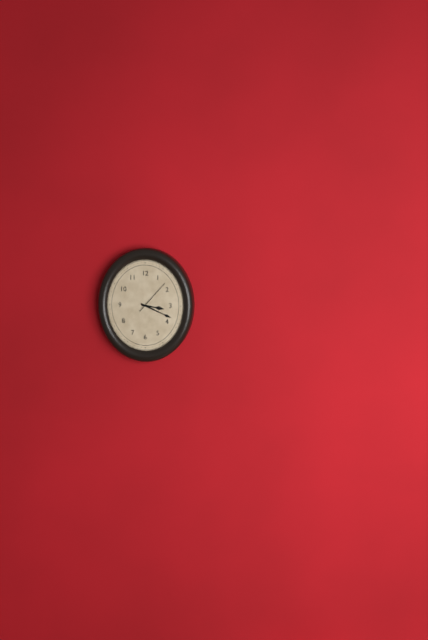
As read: 3:19
